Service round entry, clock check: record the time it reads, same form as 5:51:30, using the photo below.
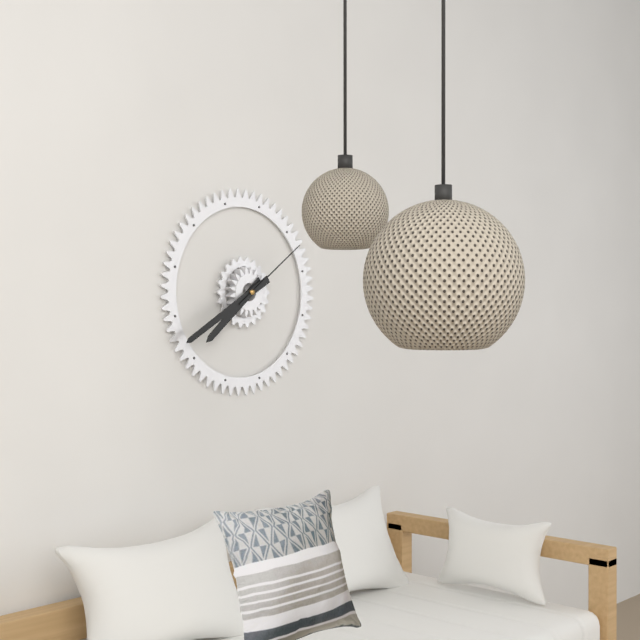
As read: 7:40:09
